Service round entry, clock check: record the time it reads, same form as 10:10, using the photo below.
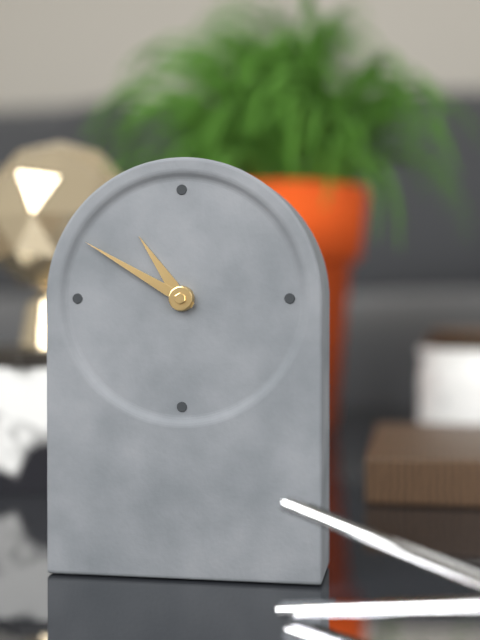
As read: 10:50
